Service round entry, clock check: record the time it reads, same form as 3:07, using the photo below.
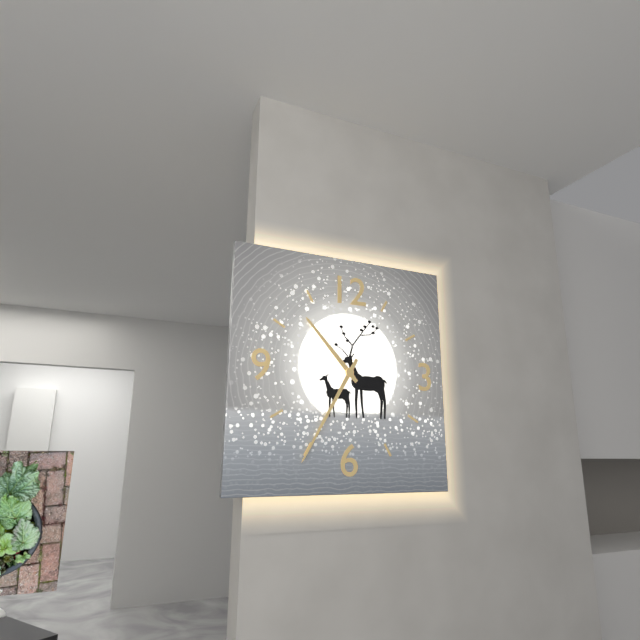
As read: 10:35
